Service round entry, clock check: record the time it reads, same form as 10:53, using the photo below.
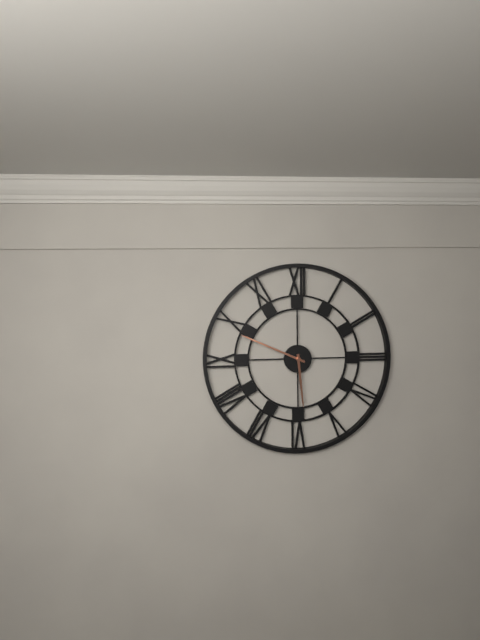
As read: 5:49
